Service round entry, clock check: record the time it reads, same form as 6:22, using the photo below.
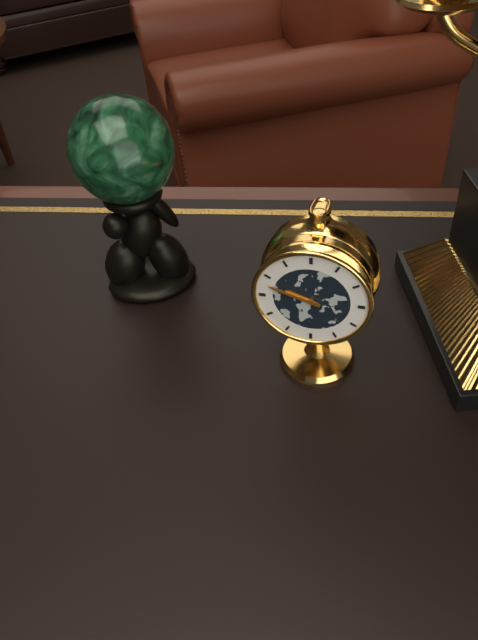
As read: 9:48
